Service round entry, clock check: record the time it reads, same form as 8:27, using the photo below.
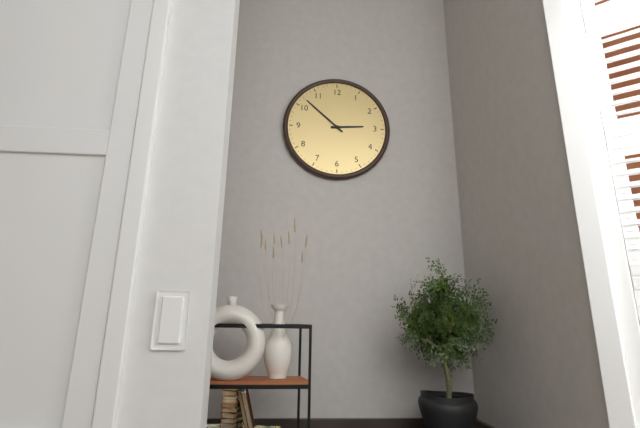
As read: 2:52
